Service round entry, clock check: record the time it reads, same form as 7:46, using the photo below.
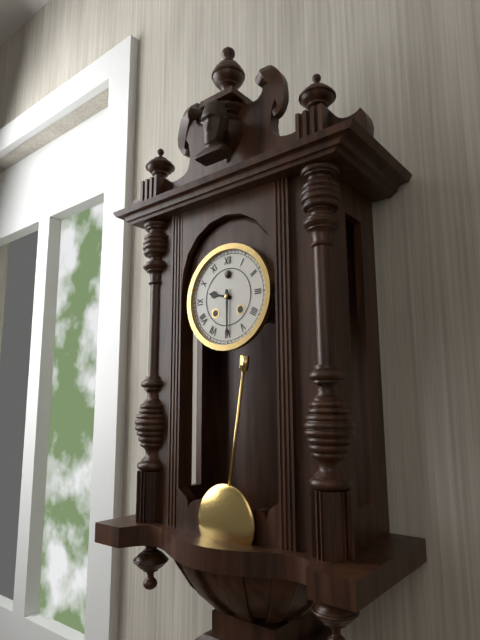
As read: 9:30
